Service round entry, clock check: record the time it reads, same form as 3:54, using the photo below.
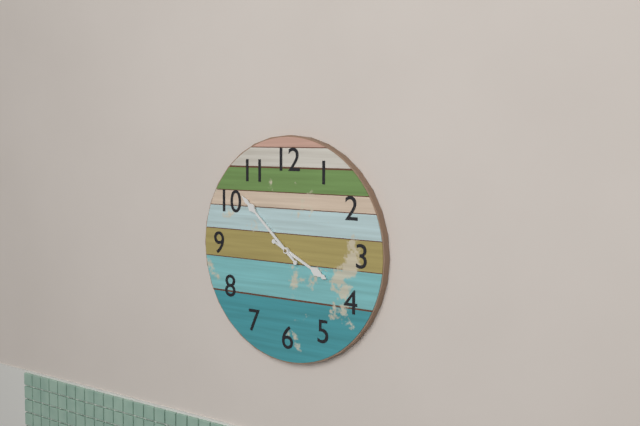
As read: 3:52
